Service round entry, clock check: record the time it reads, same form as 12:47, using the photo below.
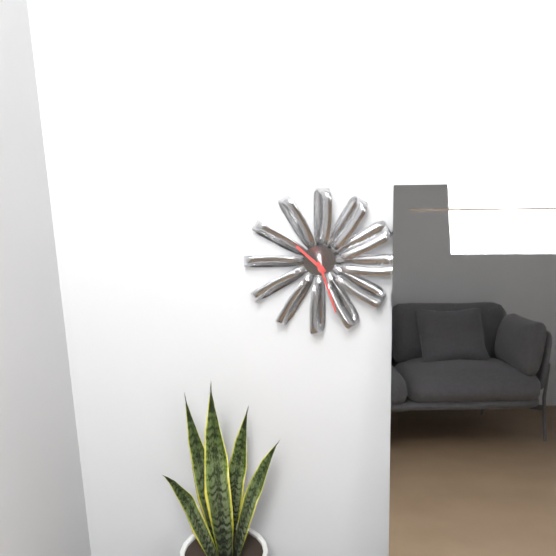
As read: 10:27
